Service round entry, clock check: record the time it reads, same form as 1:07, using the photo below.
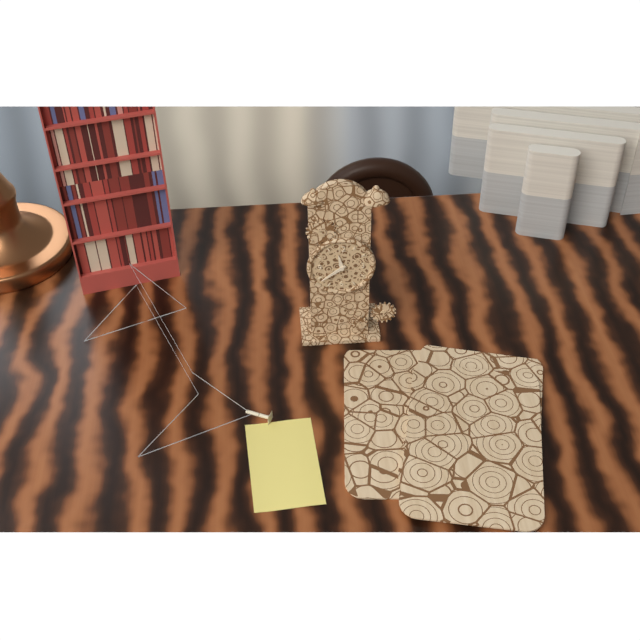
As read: 11:39
